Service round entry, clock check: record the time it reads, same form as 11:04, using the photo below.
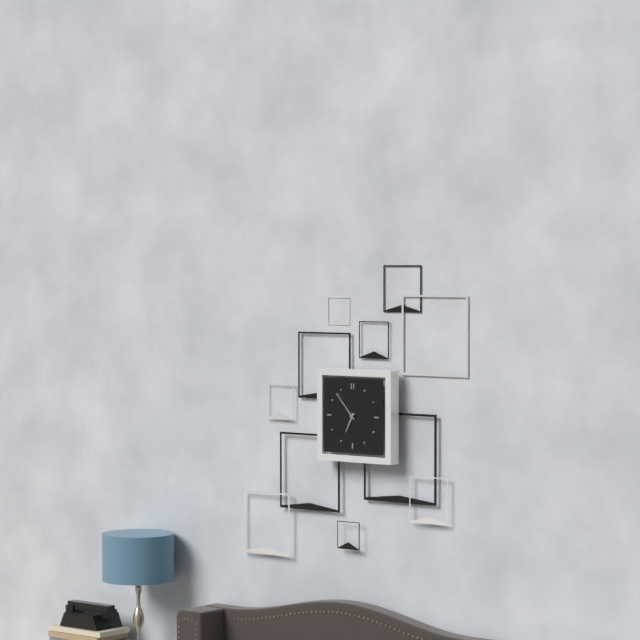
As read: 6:53
